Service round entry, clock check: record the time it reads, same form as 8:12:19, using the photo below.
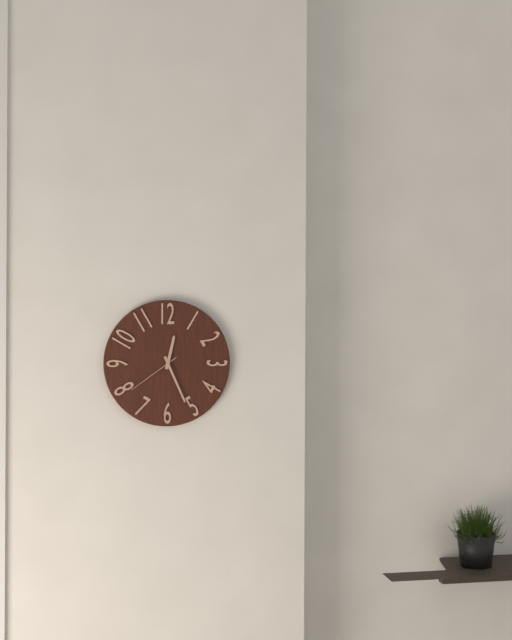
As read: 12:26:39
